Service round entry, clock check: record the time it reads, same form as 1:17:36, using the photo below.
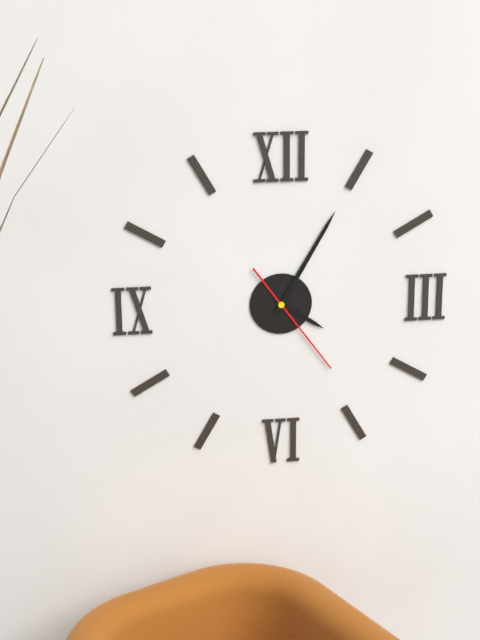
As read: 4:05:24
